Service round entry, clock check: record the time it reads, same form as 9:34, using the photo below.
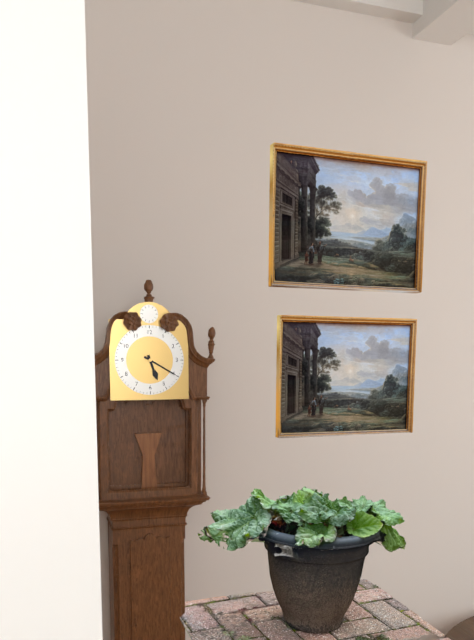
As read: 5:20
